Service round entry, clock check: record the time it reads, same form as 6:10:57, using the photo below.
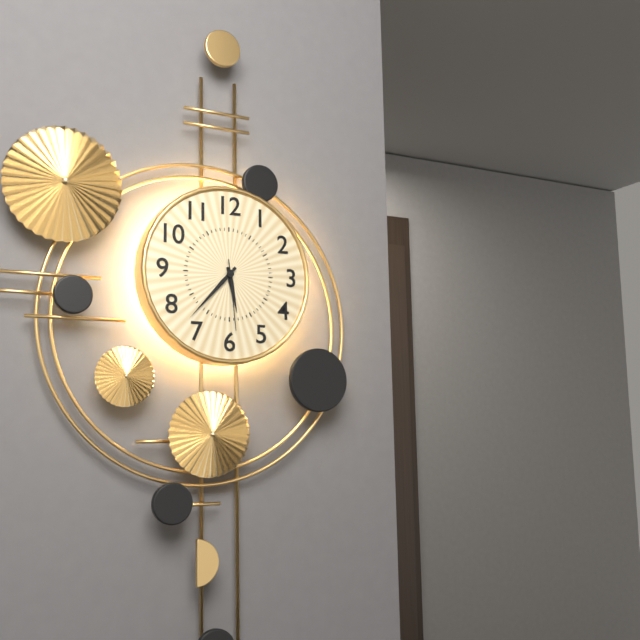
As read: 5:37:29
